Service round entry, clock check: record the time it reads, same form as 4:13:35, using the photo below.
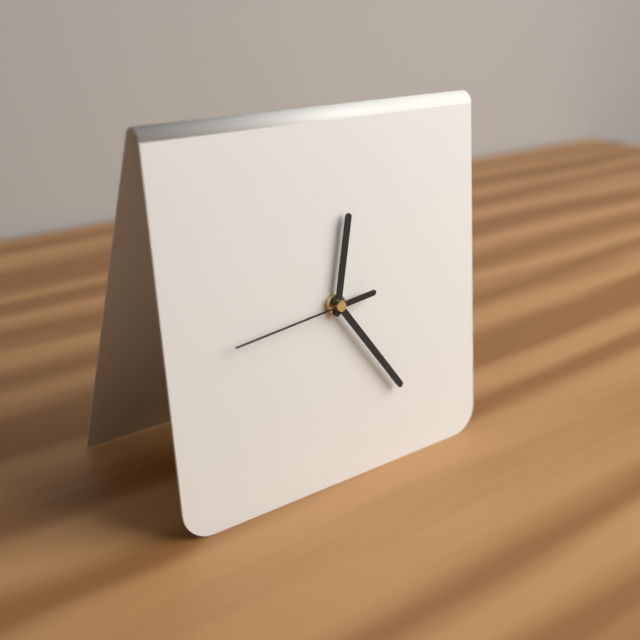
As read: 12:24:44
